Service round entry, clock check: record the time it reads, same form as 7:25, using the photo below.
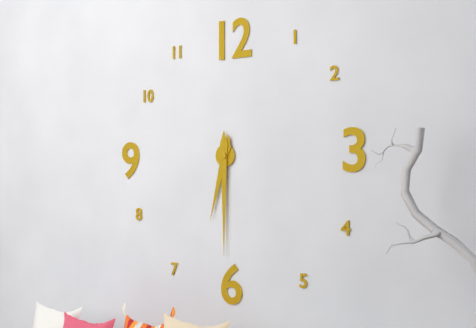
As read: 6:30
